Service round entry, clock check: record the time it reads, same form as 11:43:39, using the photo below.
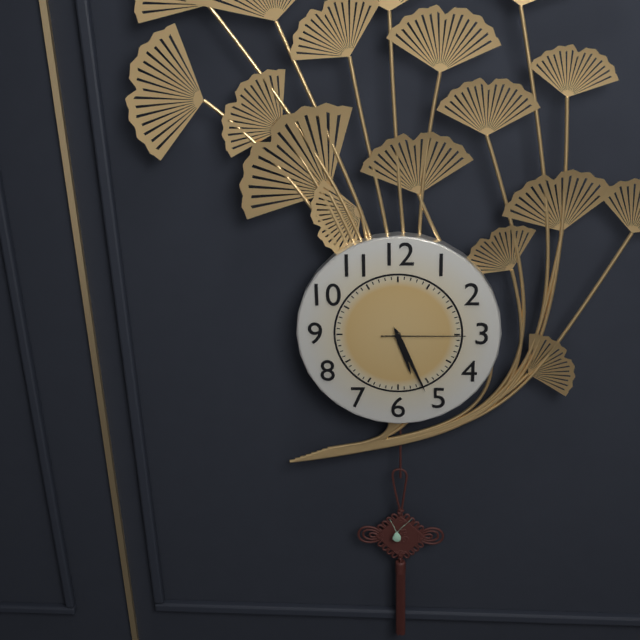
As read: 5:26:15
